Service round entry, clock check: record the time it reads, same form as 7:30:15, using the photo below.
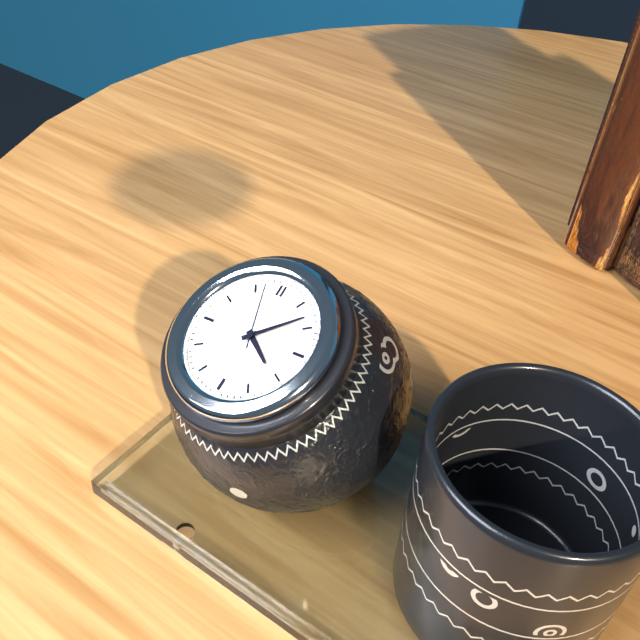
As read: 4:08:57
